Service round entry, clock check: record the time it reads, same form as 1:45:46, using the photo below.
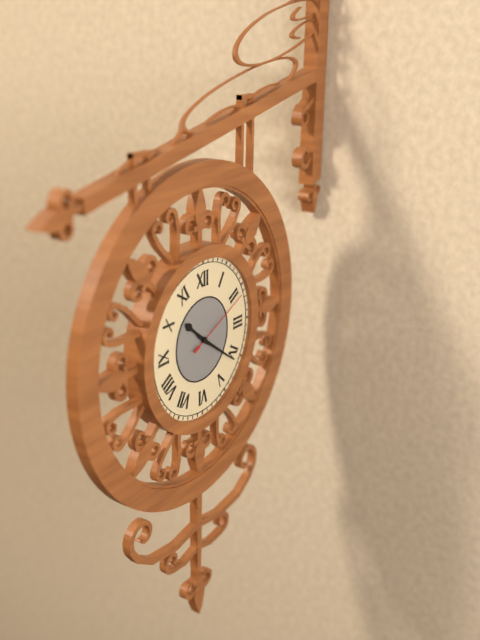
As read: 10:21:11
